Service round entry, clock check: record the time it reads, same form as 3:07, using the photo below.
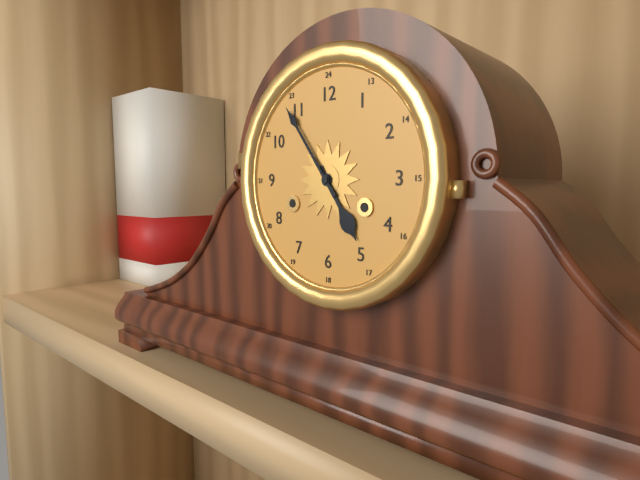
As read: 4:54
